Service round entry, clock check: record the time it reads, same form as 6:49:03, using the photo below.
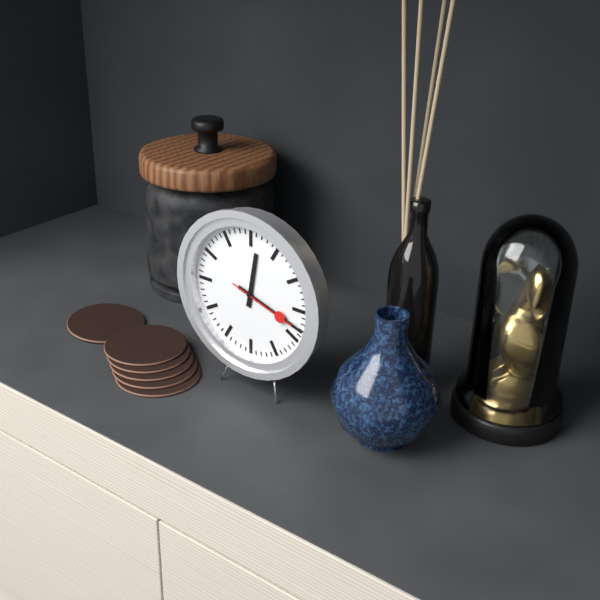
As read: 12:18:18
